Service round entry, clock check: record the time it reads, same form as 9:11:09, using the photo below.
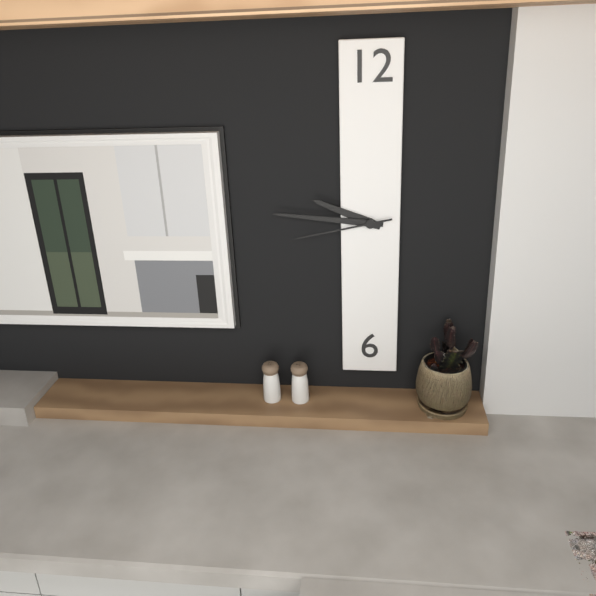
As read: 9:46:43
